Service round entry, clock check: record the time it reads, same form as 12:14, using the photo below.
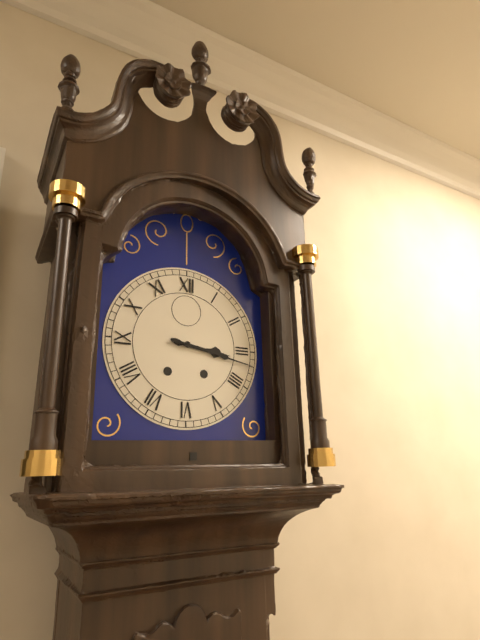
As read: 3:17
